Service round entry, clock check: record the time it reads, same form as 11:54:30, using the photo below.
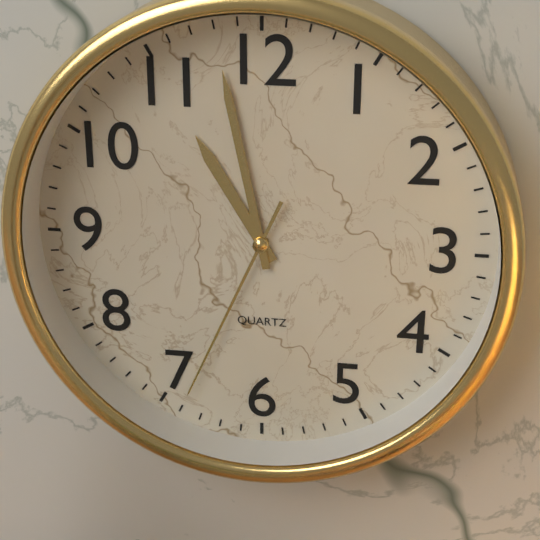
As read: 10:58:34
